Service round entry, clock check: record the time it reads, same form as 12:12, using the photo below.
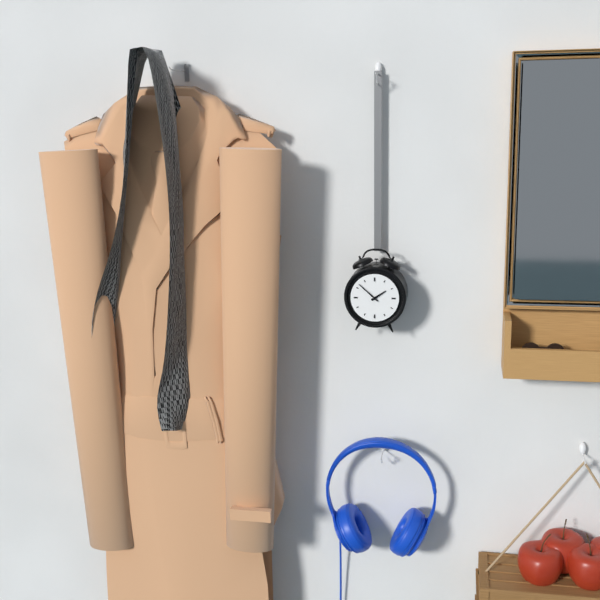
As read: 1:52
